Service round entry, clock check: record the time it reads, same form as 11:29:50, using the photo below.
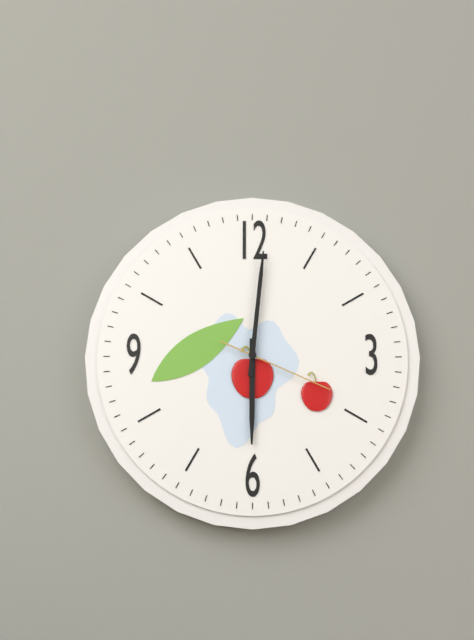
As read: 6:01:19
